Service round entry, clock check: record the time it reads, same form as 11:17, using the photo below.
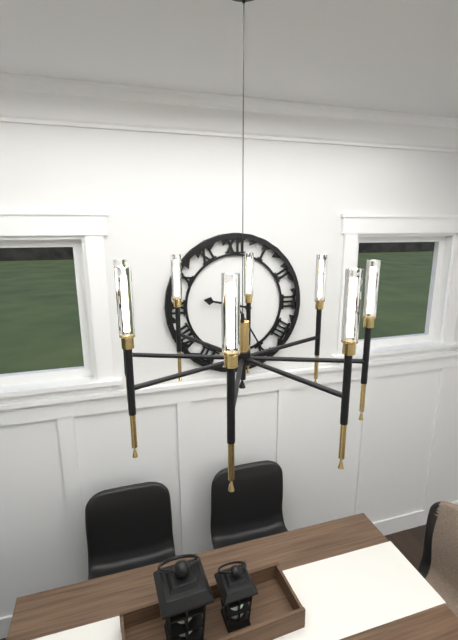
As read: 9:25
